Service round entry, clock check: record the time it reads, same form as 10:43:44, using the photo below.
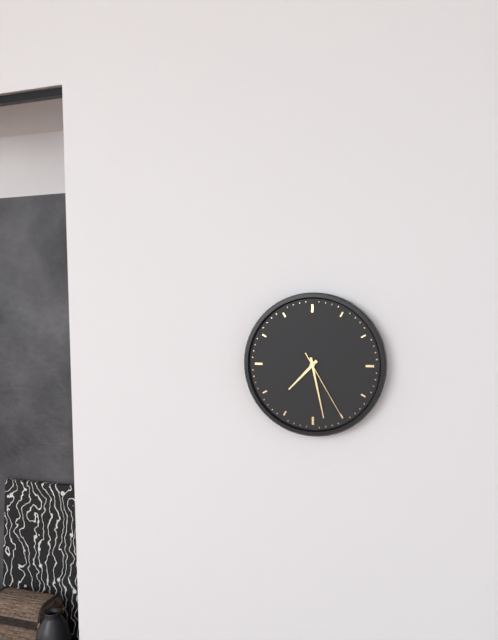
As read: 7:28:25
